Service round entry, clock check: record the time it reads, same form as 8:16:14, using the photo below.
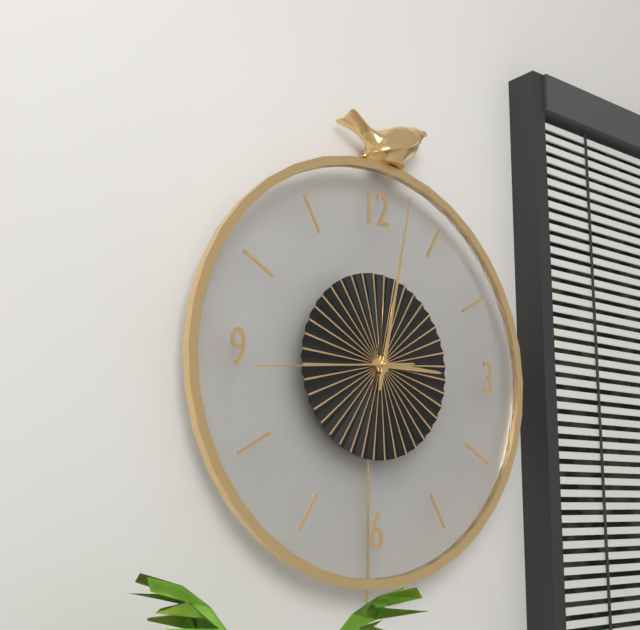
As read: 3:02:44
